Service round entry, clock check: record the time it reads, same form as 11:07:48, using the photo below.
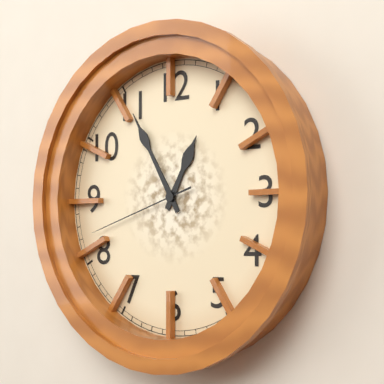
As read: 12:55:42
